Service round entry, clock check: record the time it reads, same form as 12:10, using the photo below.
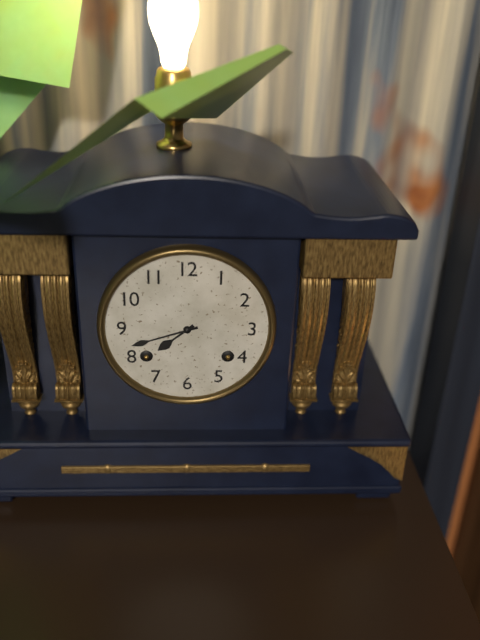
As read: 7:42
